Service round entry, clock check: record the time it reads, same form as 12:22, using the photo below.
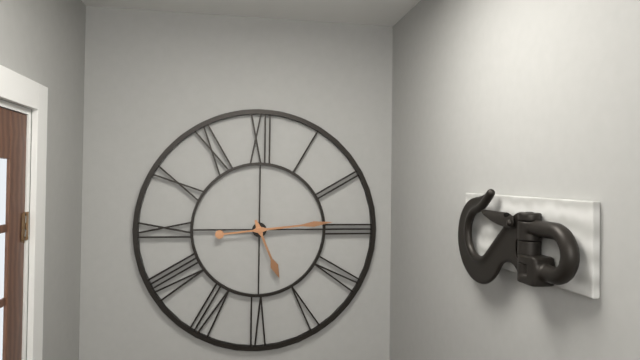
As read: 5:14
